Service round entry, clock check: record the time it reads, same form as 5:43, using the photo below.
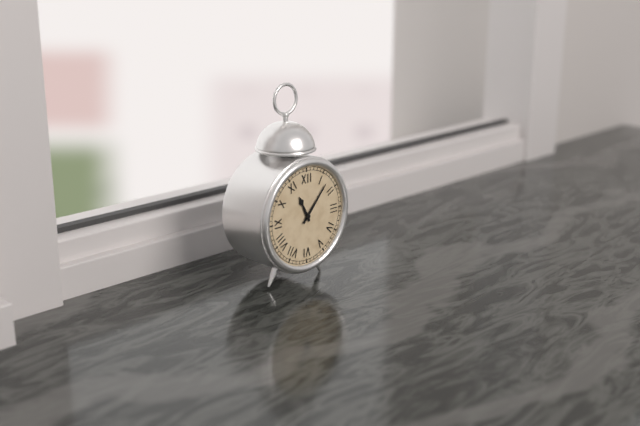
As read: 11:07
